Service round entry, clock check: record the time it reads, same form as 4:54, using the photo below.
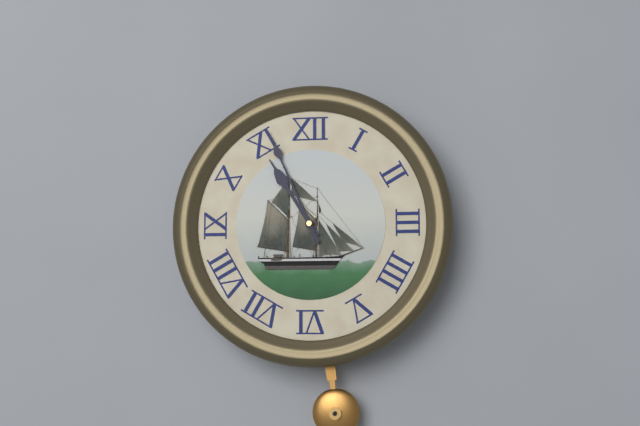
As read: 10:56
